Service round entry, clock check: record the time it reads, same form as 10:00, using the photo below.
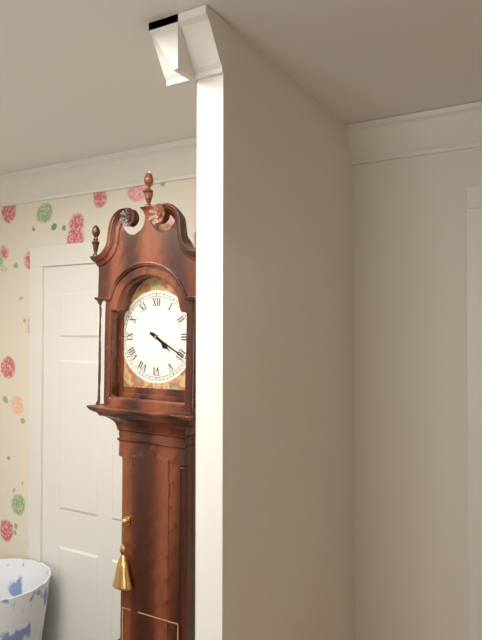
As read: 4:20
